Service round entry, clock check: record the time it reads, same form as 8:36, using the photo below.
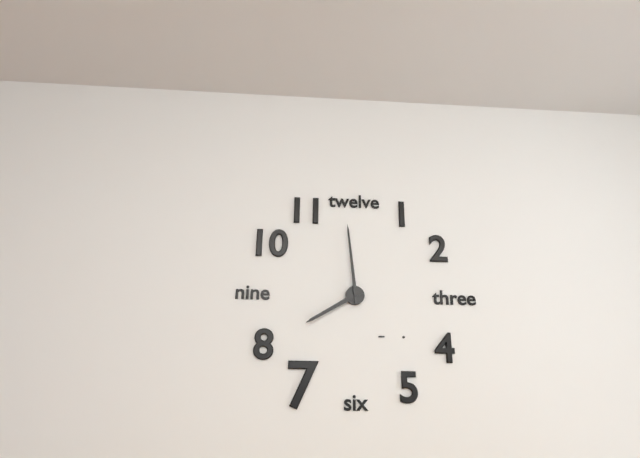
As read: 7:59
